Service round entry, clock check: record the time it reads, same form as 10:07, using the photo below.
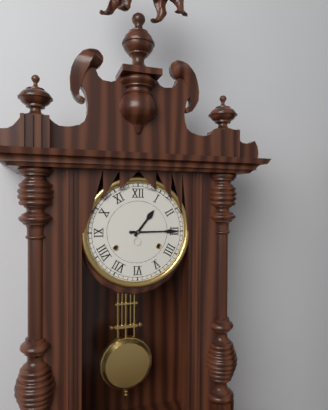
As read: 1:15
